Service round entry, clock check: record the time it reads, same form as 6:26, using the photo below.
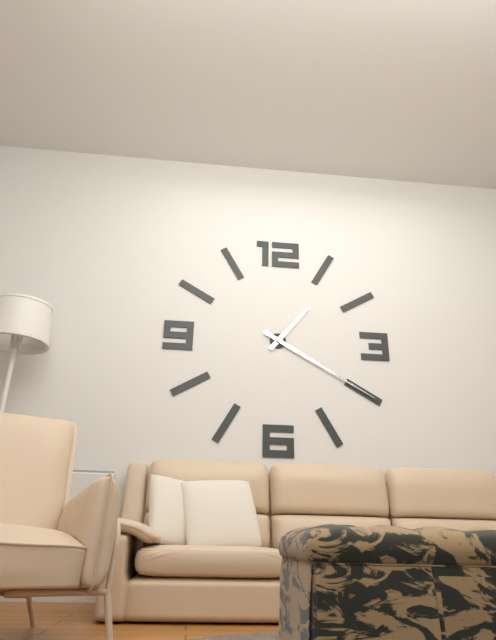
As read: 1:20
